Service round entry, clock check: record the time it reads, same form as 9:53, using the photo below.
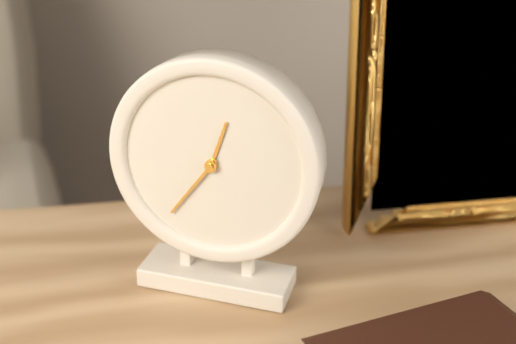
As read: 12:36
